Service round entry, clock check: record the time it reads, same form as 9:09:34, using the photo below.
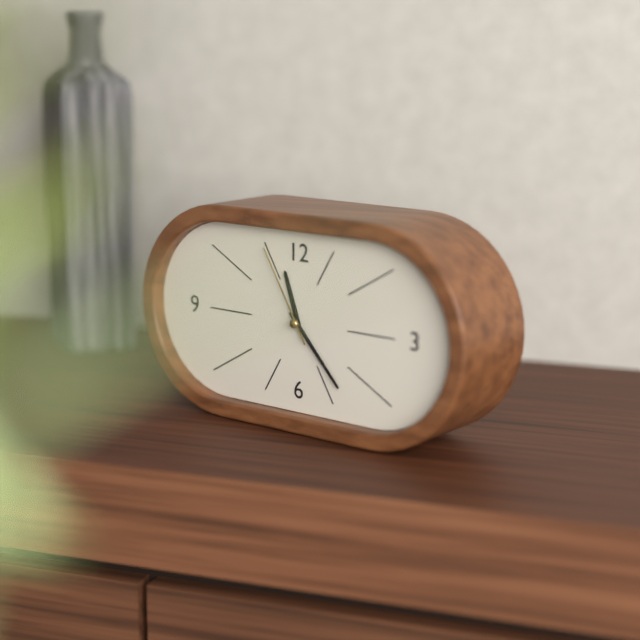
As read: 11:23:55
